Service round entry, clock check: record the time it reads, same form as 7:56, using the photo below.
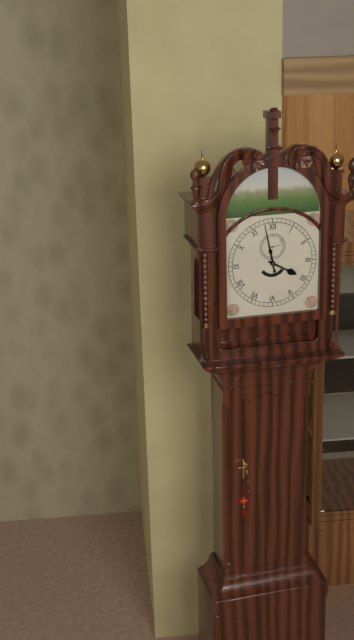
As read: 3:58
